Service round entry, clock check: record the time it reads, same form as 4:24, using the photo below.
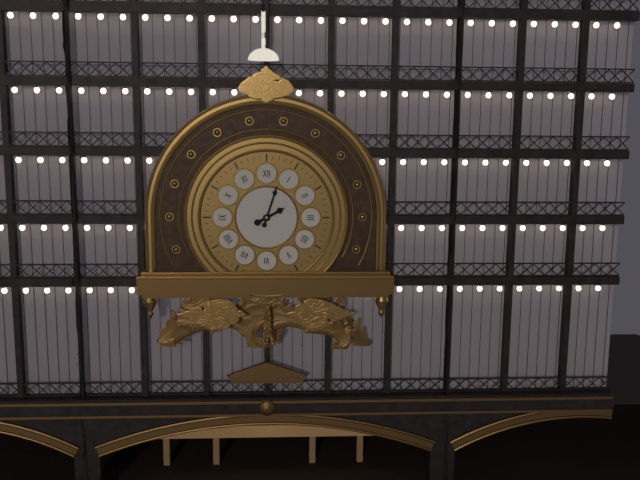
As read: 2:03
